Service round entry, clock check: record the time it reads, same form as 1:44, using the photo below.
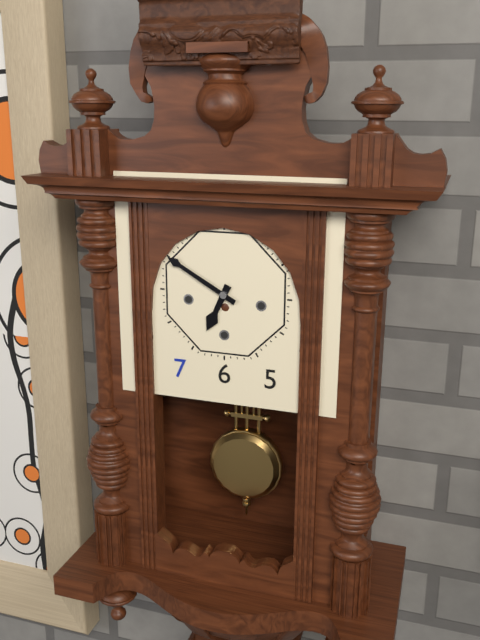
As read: 6:50
